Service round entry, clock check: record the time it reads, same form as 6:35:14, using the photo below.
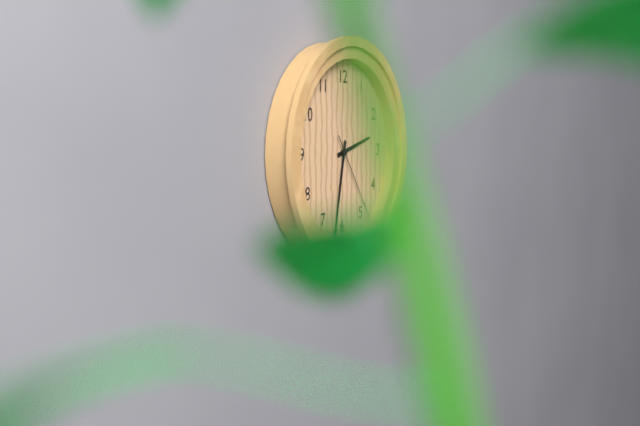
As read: 2:32:24
